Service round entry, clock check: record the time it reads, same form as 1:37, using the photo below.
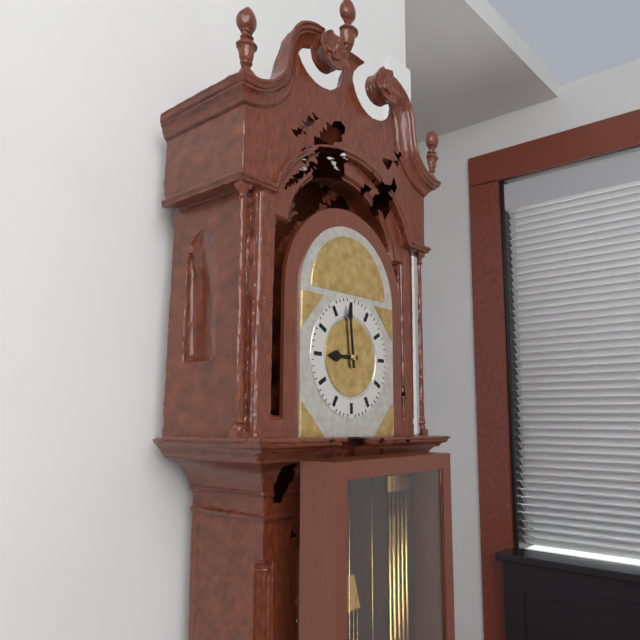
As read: 8:59
